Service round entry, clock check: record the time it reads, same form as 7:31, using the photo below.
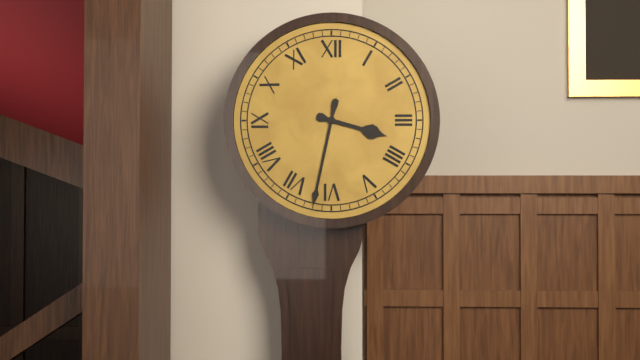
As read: 3:32
